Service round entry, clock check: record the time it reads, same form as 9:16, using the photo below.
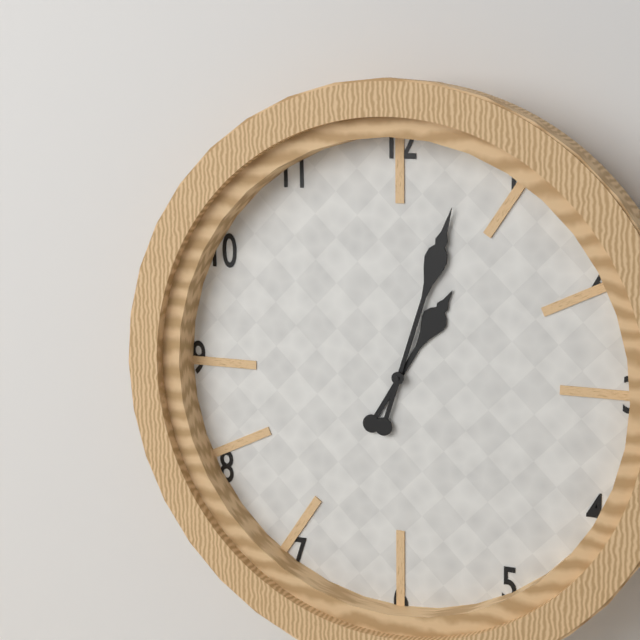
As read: 1:03
